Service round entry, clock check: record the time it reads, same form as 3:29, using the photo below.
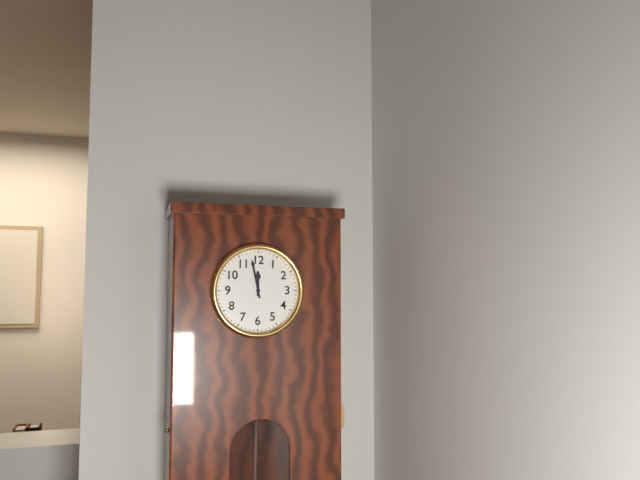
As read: 11:58
